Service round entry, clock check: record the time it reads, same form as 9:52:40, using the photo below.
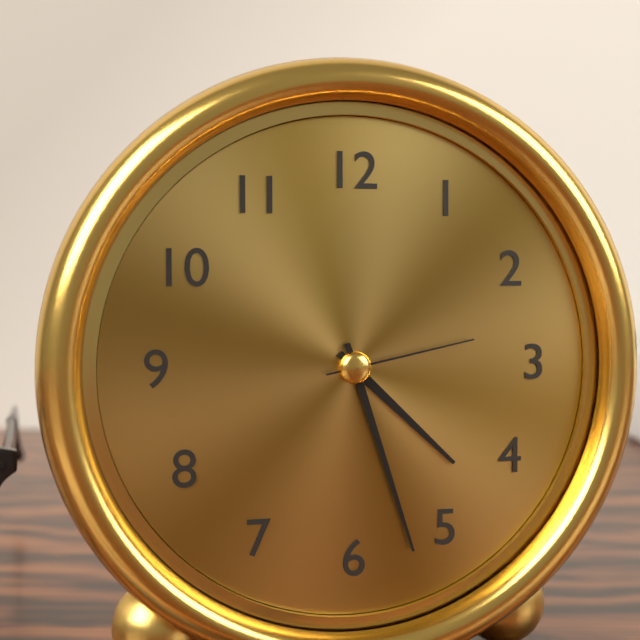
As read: 4:27:13
